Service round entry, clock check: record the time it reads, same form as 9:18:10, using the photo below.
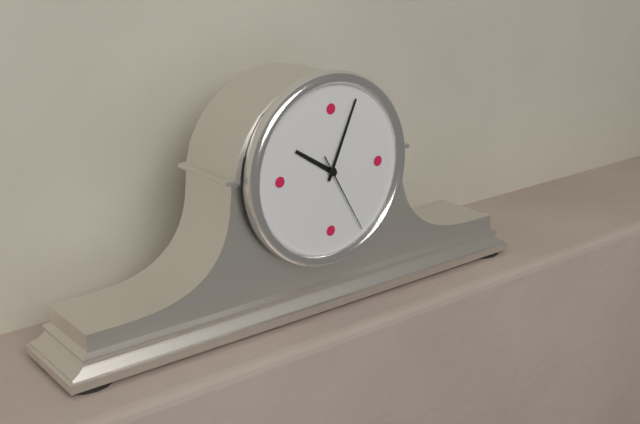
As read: 10:04:25
